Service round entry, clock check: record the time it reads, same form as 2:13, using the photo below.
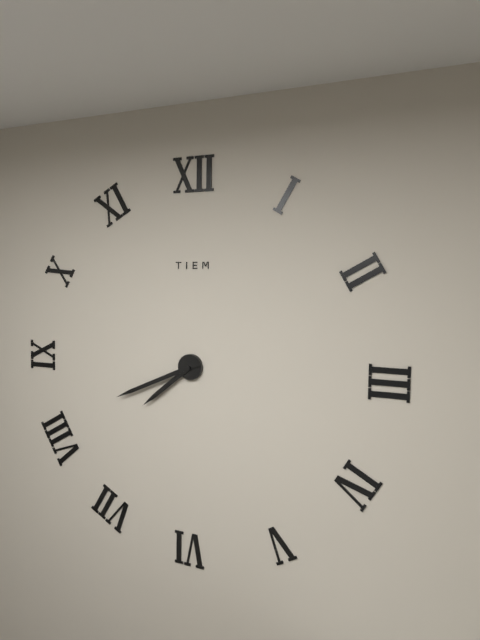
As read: 7:41
